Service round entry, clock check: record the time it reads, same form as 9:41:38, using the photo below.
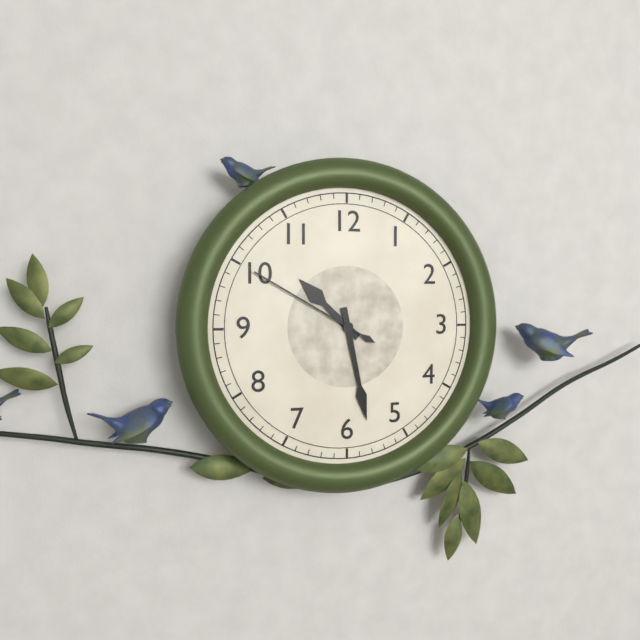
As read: 10:28:50
